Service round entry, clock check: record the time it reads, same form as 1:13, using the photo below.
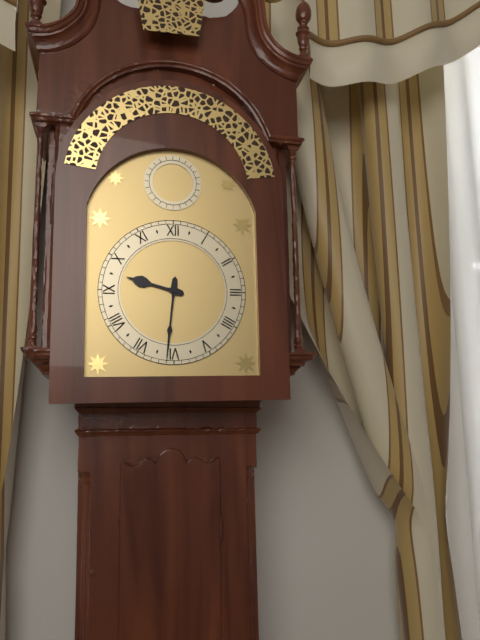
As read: 9:31
